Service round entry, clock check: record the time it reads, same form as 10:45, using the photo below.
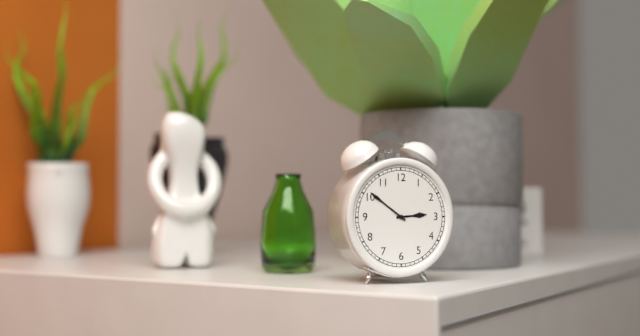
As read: 2:51
